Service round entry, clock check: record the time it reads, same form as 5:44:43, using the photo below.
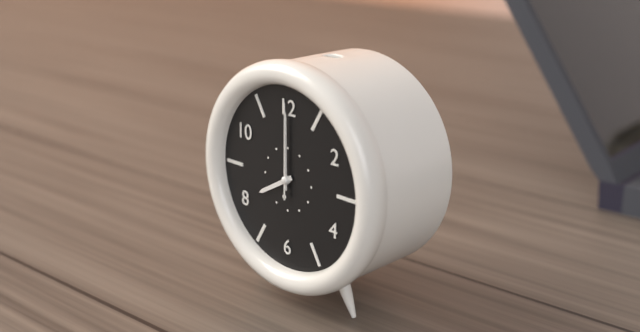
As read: 8:00:00
